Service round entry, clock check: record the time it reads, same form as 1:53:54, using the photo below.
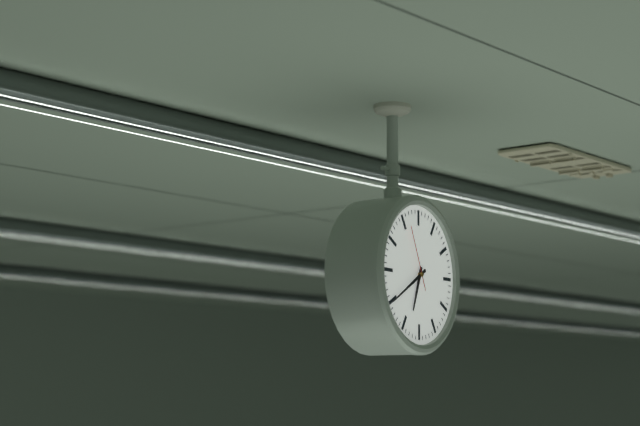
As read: 6:40:56
